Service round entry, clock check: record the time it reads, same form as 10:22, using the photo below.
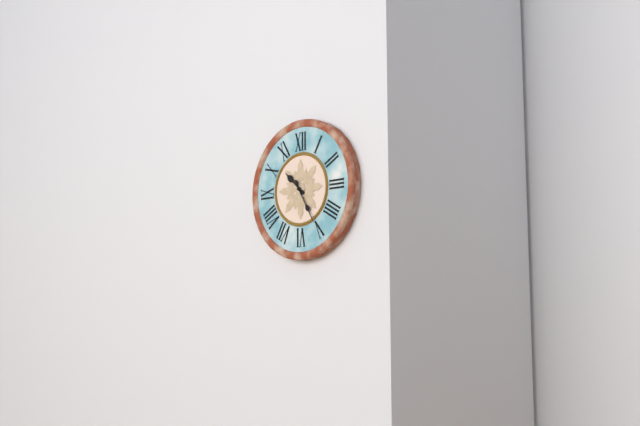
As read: 10:25
